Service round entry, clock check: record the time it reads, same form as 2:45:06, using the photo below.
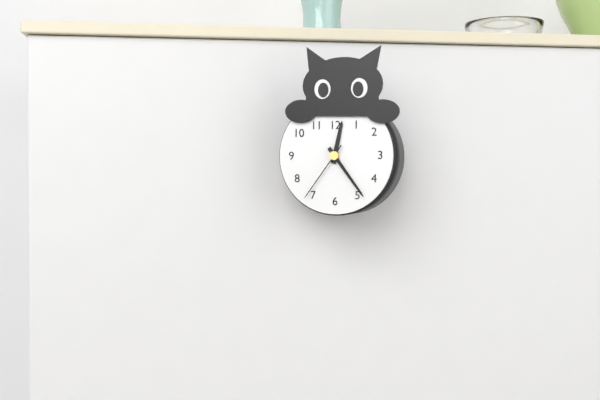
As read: 12:24:36
